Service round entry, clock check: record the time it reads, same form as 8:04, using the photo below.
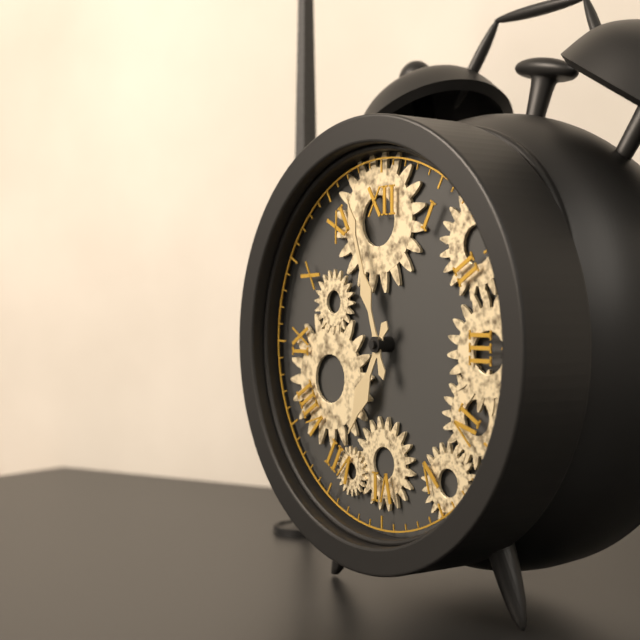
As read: 6:57
